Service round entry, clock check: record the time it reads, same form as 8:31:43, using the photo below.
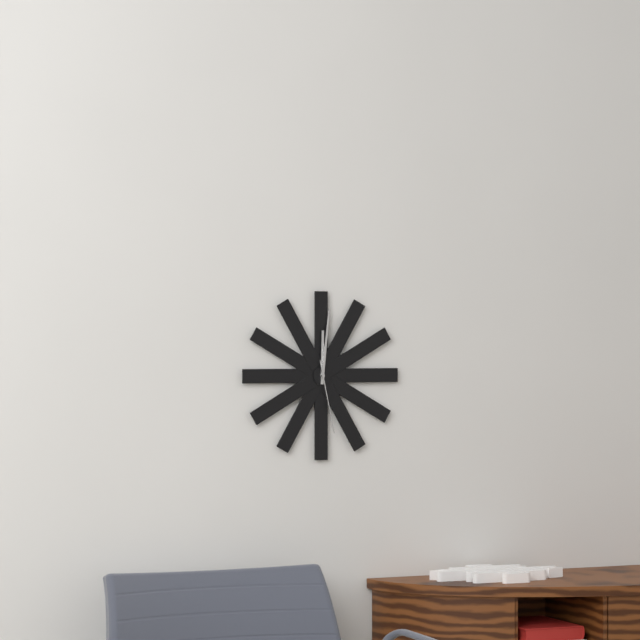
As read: 12:01:28
